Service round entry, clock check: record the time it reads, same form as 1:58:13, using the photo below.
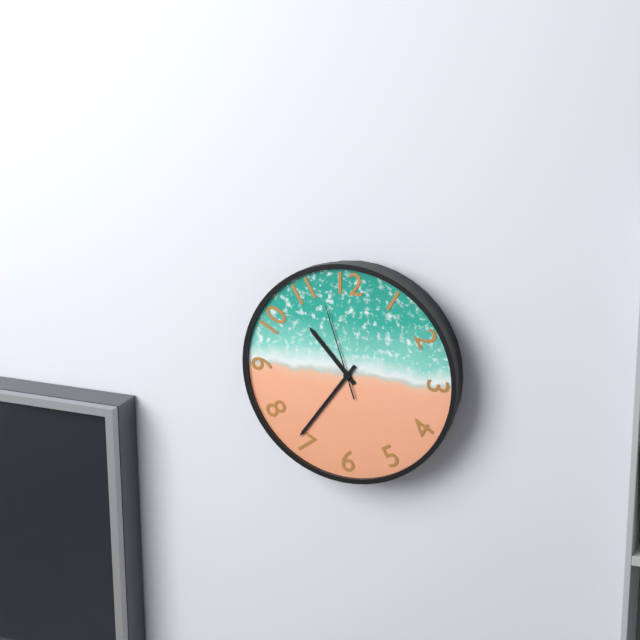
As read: 10:36:57
